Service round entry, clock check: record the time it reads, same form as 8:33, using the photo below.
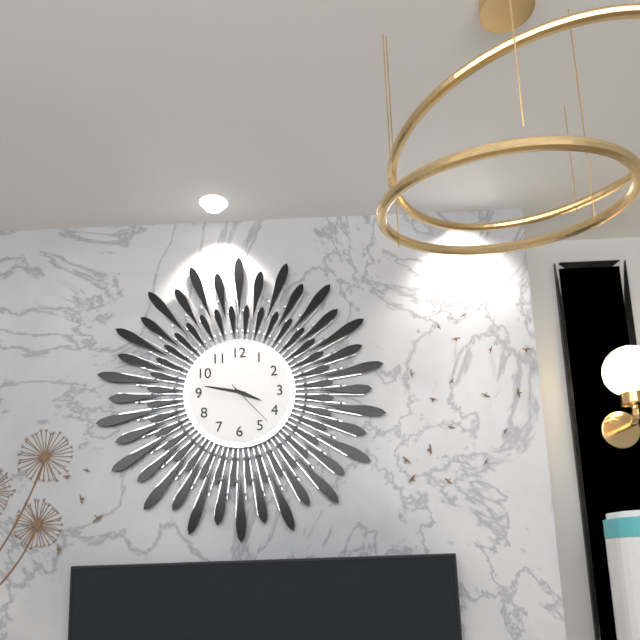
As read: 3:47
